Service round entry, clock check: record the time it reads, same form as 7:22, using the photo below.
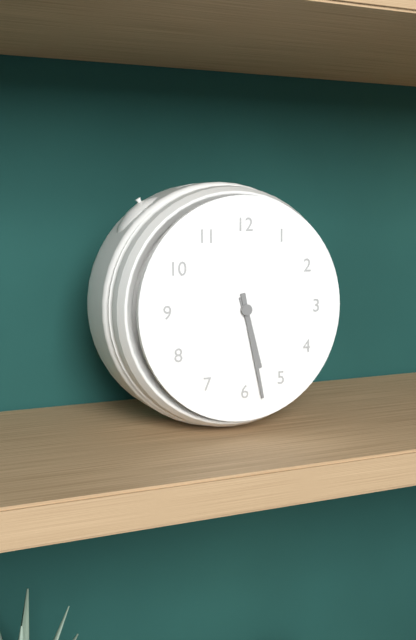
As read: 5:28
